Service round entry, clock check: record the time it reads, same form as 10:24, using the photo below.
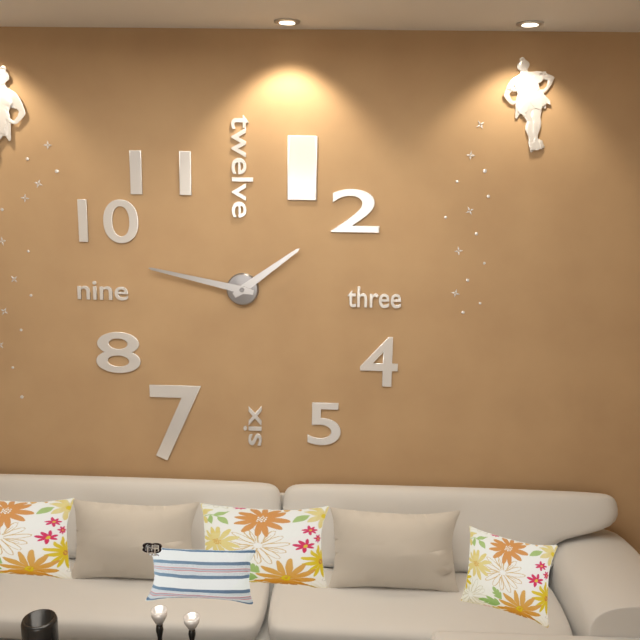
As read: 1:47
